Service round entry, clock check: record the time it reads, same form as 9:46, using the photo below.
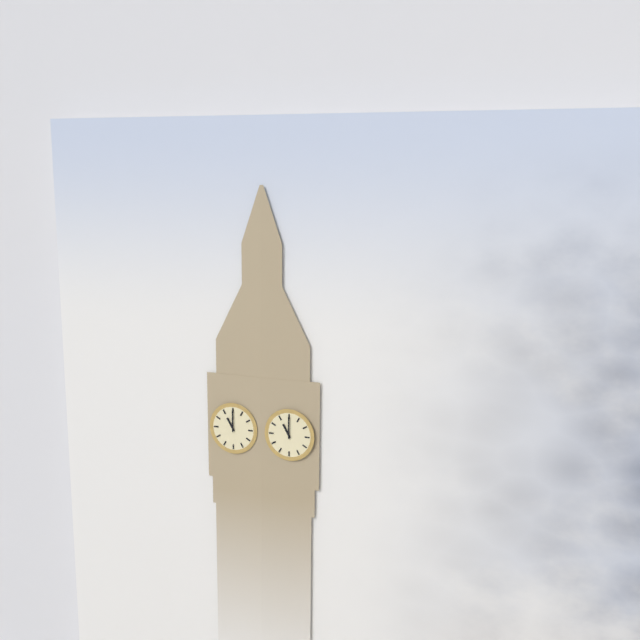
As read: 11:00
